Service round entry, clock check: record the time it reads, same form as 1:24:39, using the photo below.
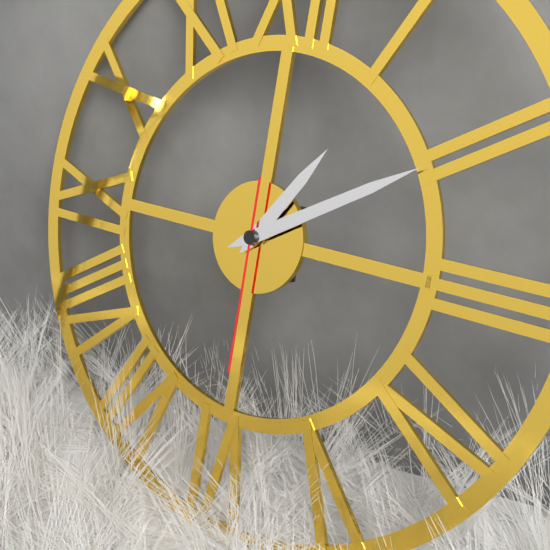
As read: 1:10:30
